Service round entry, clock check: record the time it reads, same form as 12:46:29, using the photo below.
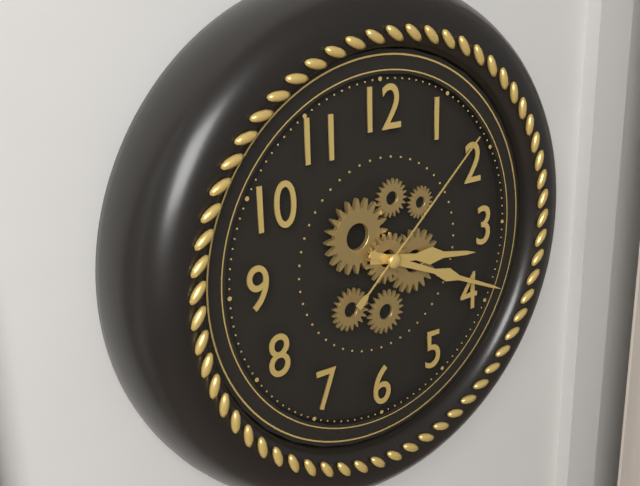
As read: 3:19:08
